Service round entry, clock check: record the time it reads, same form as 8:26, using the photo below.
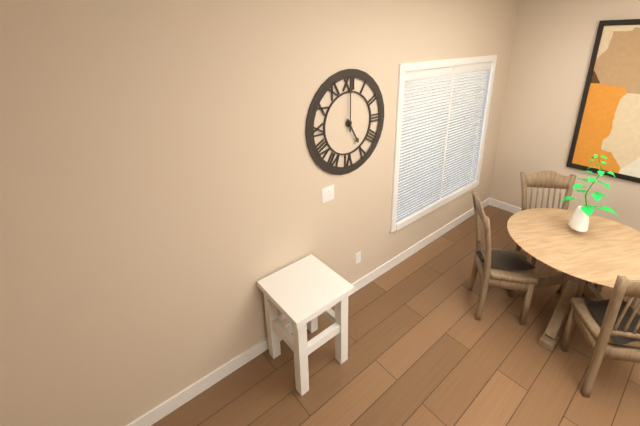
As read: 5:00
